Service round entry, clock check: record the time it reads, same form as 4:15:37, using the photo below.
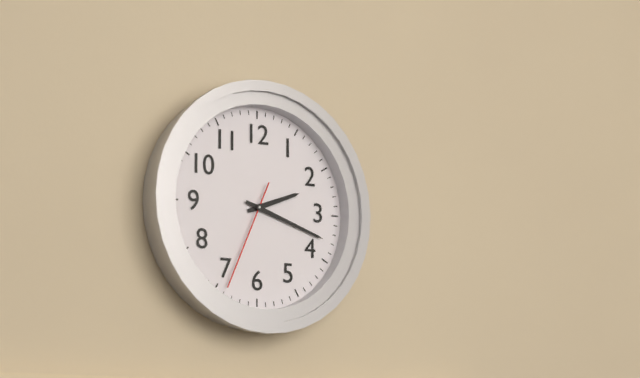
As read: 2:18:34
